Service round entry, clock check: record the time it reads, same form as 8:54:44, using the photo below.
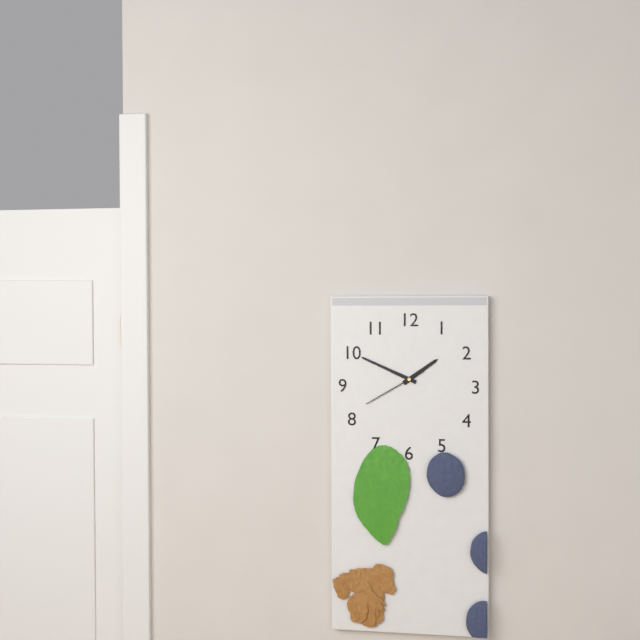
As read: 1:49:40
